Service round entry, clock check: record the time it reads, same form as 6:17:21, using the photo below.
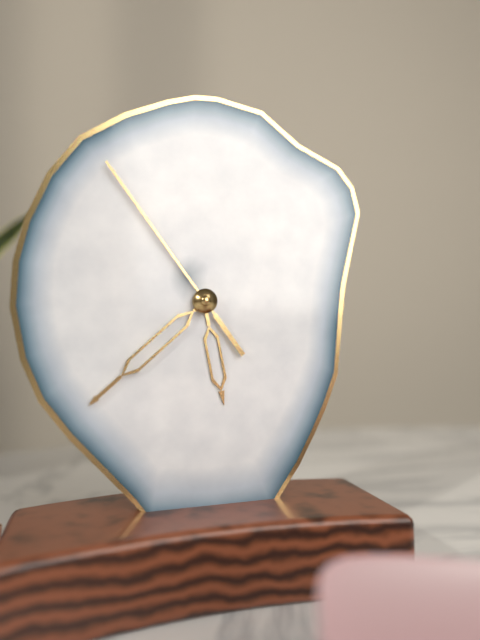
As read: 5:38:54
